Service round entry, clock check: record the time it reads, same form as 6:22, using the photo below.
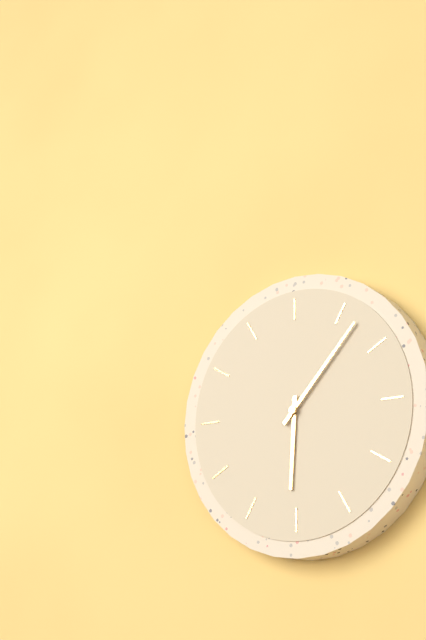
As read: 6:07
